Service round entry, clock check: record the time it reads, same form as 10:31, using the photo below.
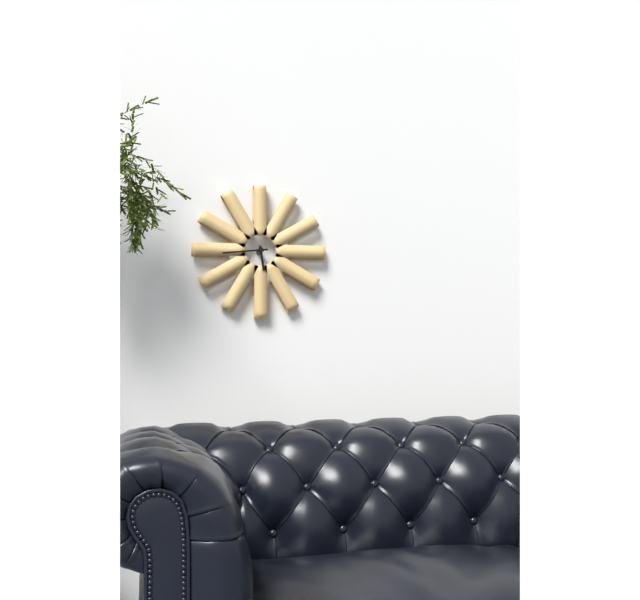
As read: 5:44
